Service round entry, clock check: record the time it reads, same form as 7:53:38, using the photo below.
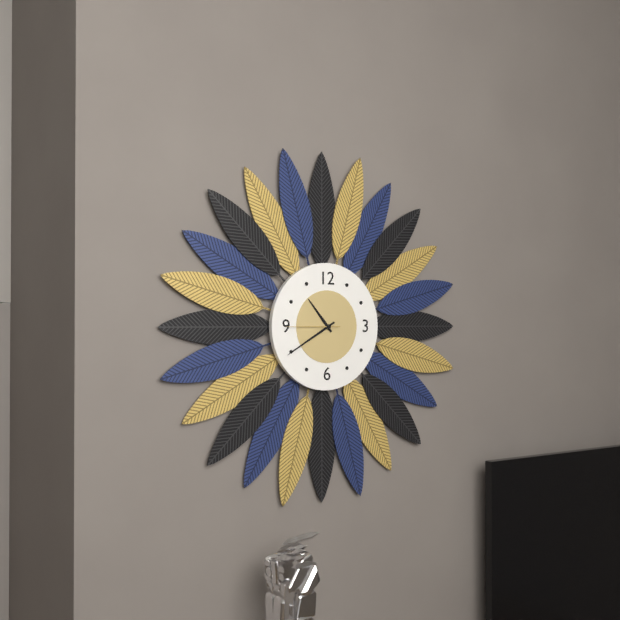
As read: 10:40:45
